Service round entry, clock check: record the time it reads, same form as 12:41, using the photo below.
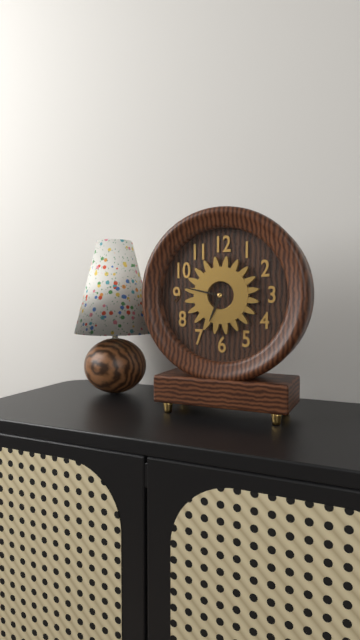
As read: 6:47
